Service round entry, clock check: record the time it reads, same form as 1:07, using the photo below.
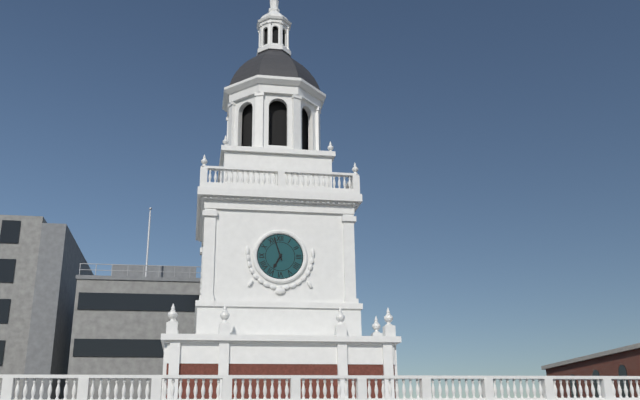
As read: 6:57
